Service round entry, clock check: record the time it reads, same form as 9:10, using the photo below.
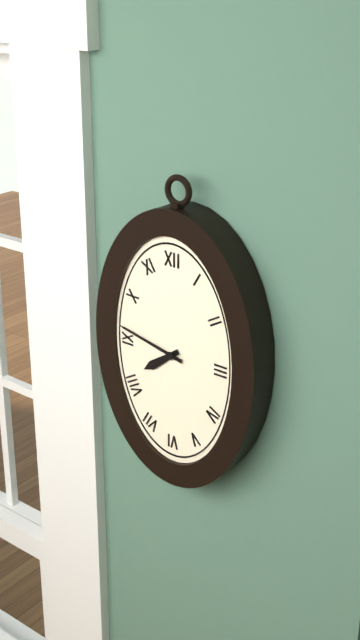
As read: 7:47
